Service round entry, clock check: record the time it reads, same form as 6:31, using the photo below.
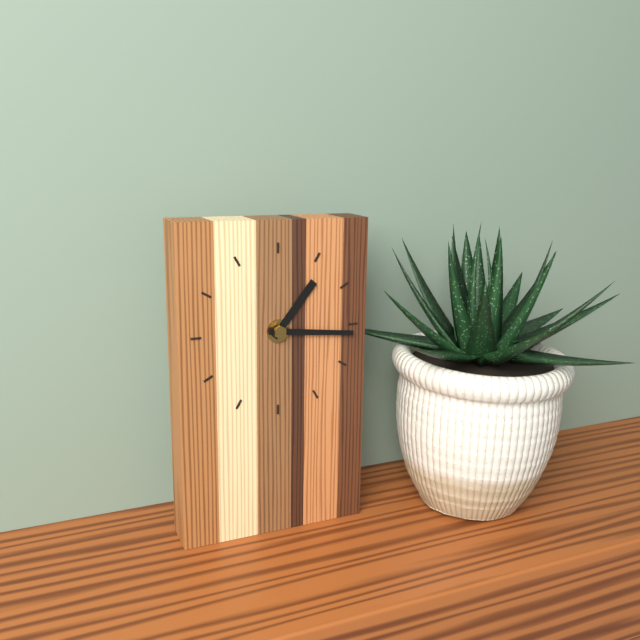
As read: 1:16
